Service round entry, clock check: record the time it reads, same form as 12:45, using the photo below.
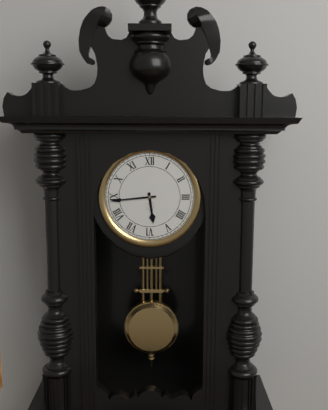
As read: 5:44
